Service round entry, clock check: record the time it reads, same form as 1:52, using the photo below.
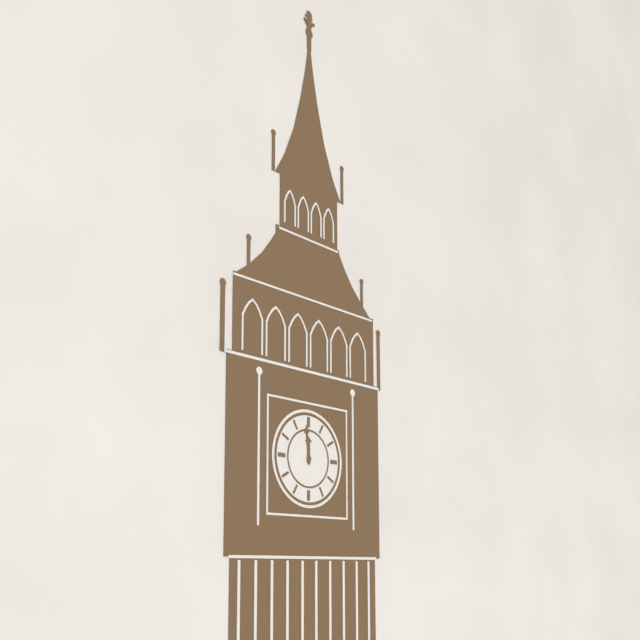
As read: 11:59
